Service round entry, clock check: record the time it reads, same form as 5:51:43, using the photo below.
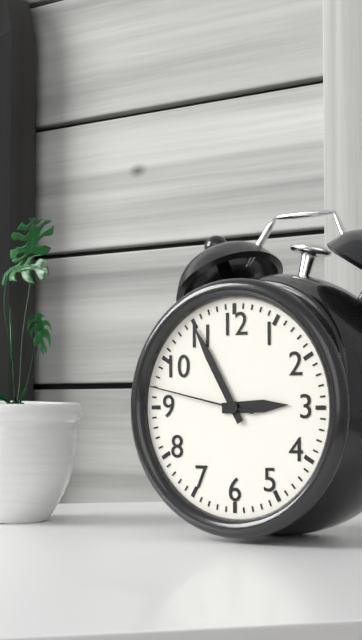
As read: 2:55:47
